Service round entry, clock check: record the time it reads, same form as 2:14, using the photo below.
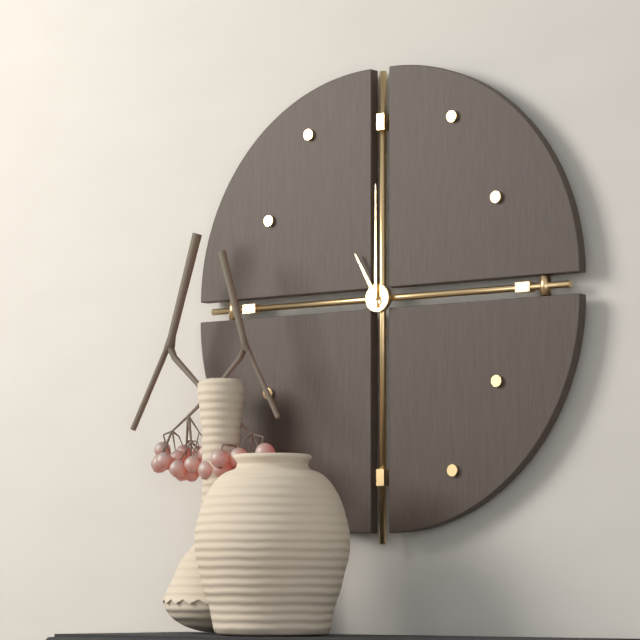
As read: 11:00
